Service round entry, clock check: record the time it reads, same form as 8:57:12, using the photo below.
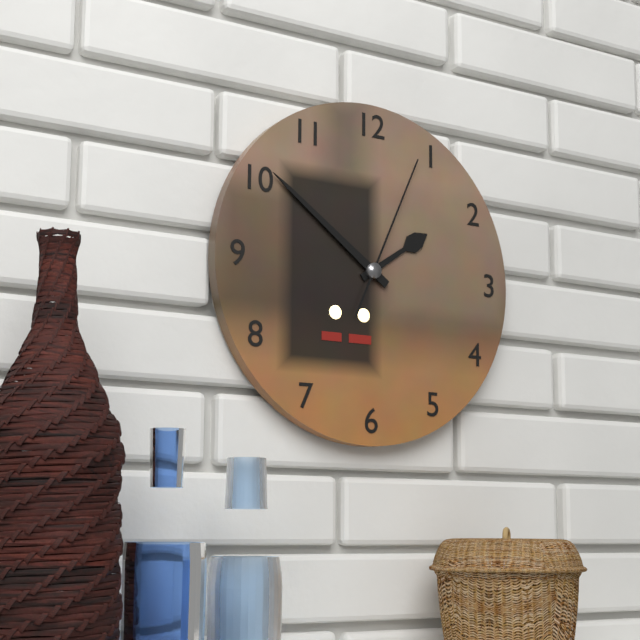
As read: 1:51:04
